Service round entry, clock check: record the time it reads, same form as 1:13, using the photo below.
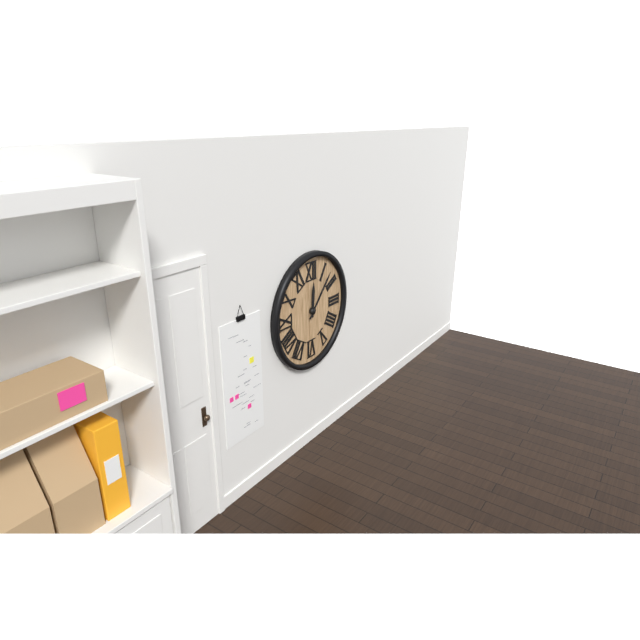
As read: 12:07
